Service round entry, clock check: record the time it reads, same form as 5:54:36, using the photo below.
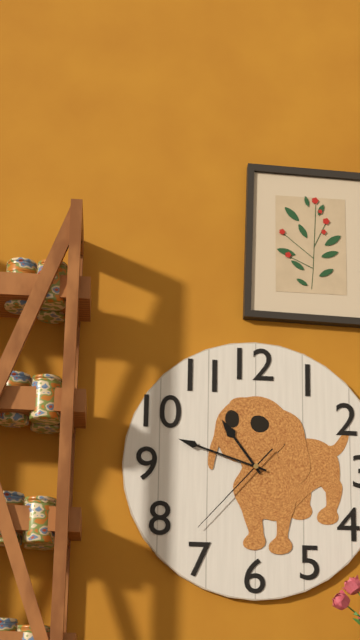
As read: 10:48:37
